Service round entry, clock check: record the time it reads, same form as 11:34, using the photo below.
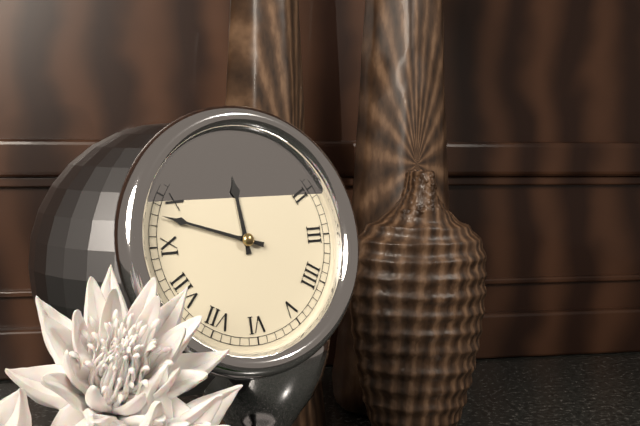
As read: 11:48
